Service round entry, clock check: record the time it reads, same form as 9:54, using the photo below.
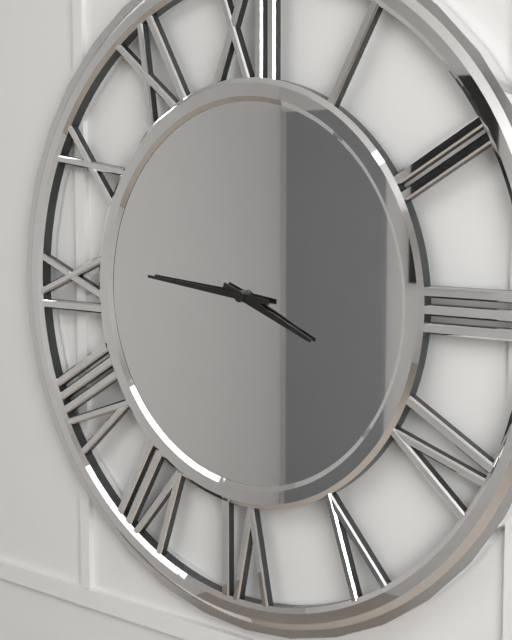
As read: 3:46
